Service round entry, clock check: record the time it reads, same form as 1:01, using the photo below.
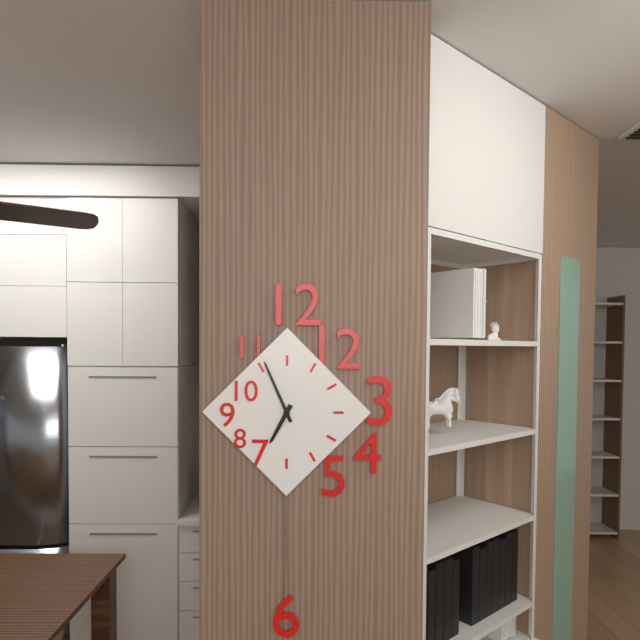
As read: 6:56
